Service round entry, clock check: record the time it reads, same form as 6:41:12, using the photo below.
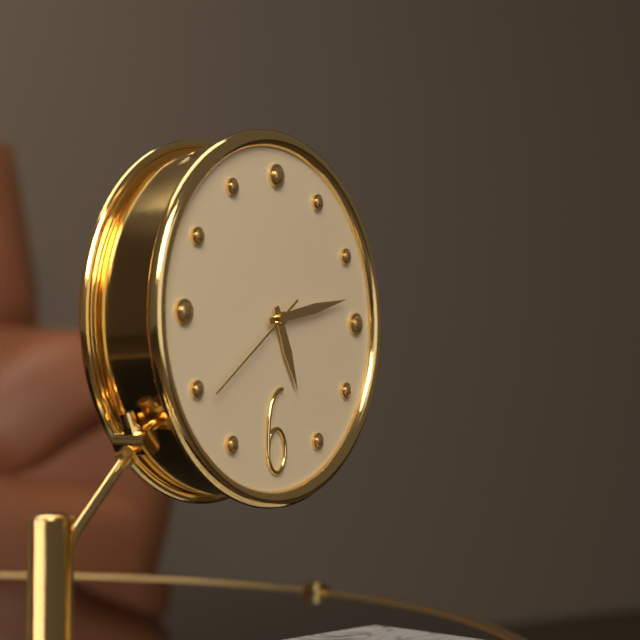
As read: 5:13:39
